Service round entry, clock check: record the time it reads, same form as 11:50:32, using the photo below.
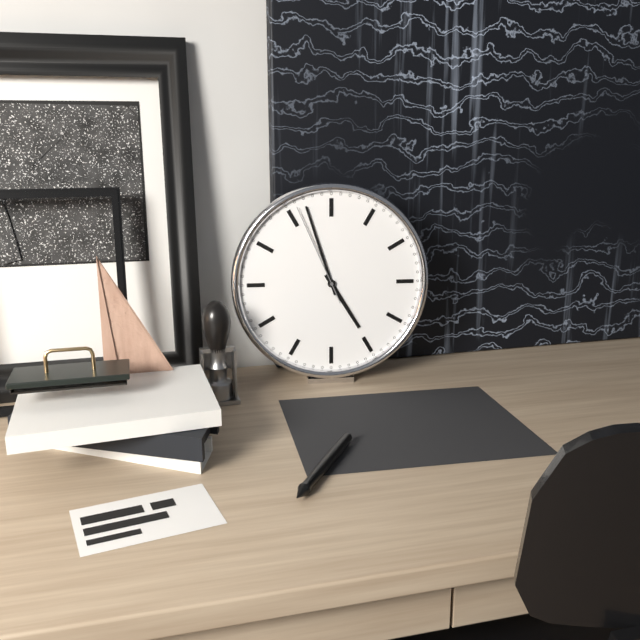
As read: 4:57:56
